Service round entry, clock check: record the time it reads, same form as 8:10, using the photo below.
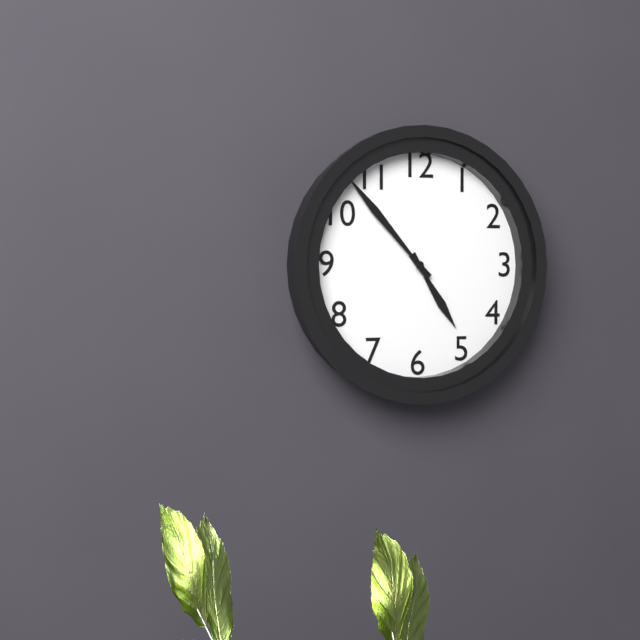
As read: 4:53
